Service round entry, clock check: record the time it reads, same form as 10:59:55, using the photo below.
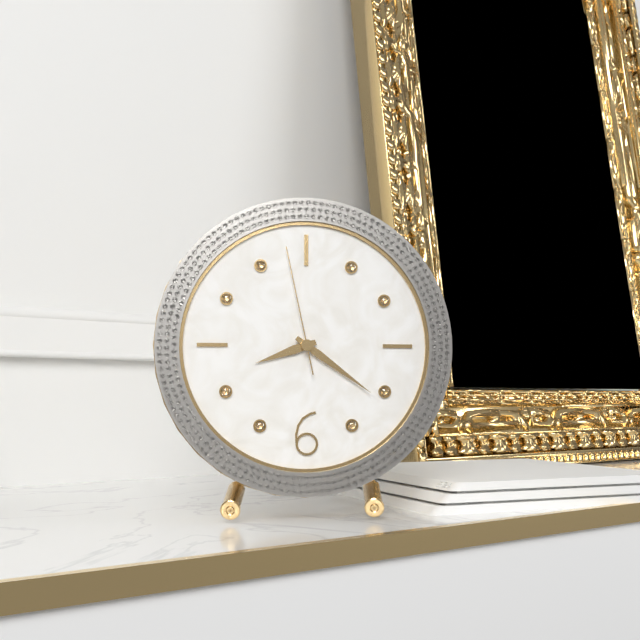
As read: 8:21:58
